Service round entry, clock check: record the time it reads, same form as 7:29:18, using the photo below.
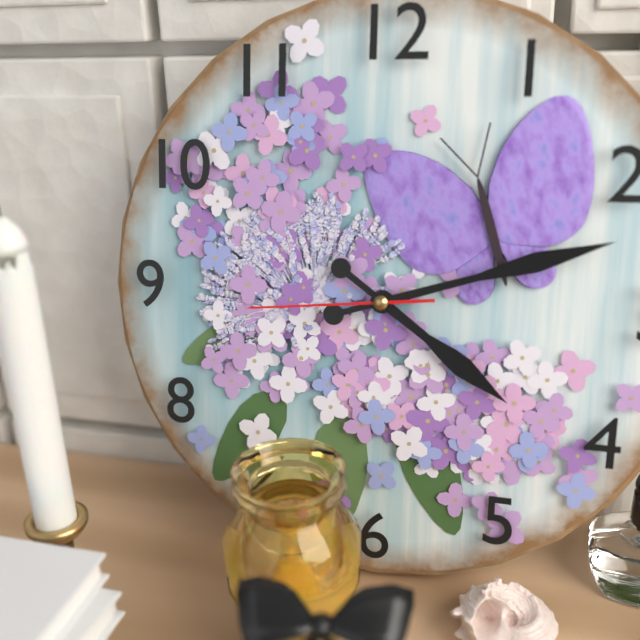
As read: 4:12:44
